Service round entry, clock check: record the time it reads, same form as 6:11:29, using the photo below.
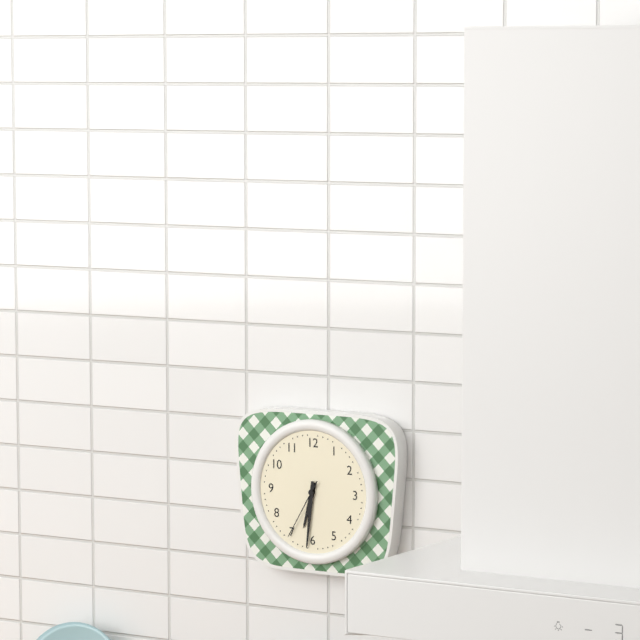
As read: 6:31:35
